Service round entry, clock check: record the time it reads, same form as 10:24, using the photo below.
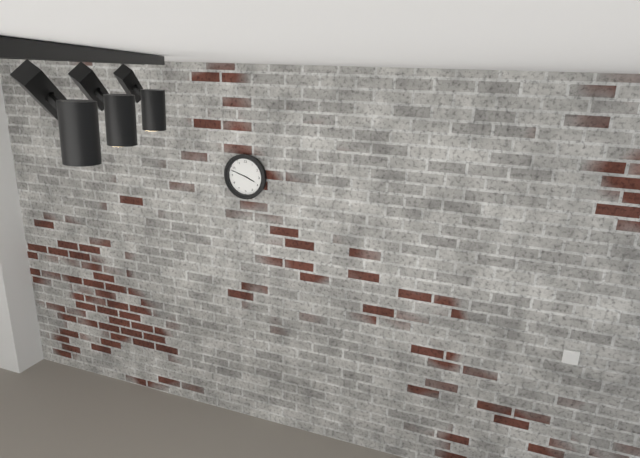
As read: 3:48
